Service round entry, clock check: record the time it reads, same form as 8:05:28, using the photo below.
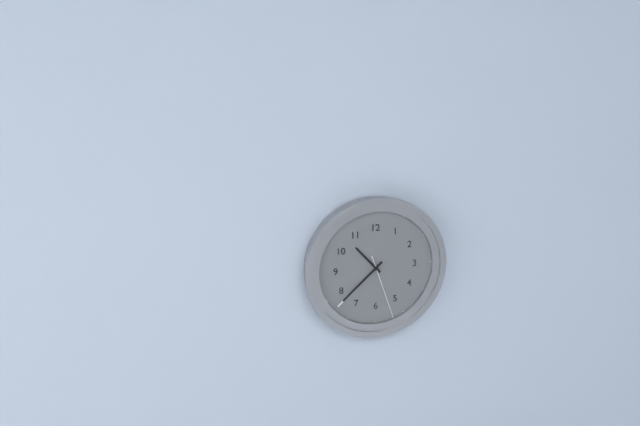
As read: 10:38:27
